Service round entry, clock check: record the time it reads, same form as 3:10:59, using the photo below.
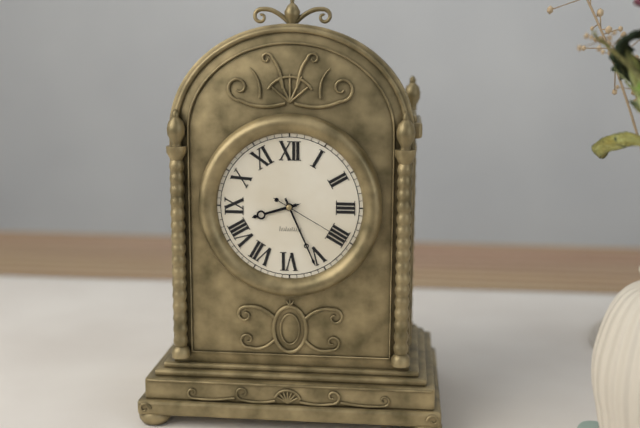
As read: 8:26:20
